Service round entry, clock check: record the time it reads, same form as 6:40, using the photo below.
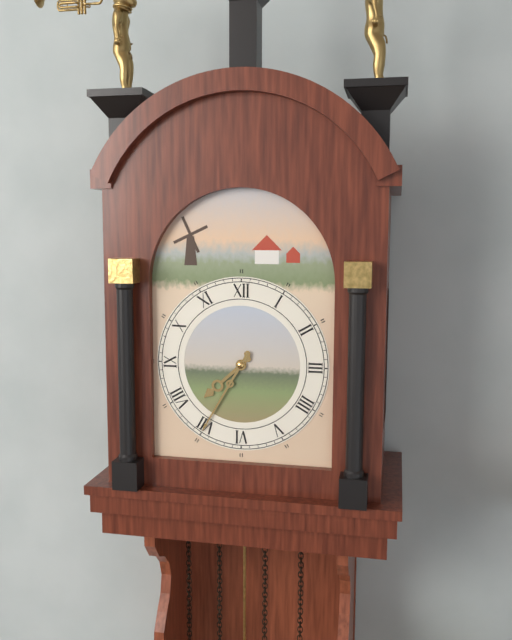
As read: 7:35
